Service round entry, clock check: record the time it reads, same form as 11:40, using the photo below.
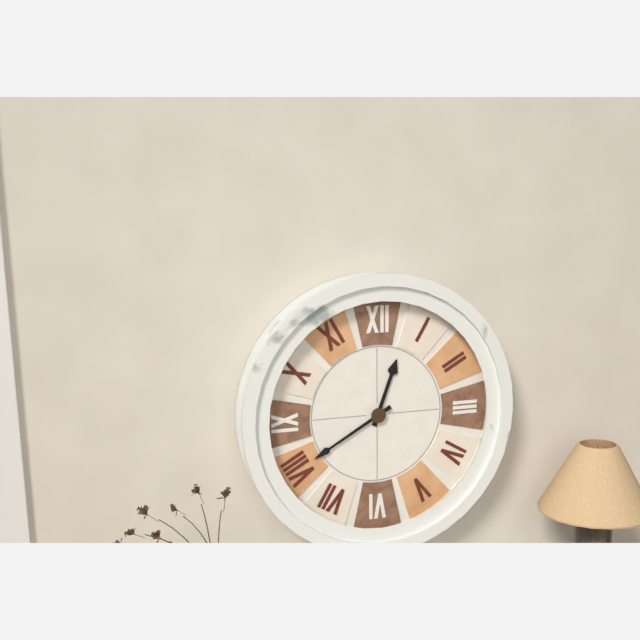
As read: 12:40
